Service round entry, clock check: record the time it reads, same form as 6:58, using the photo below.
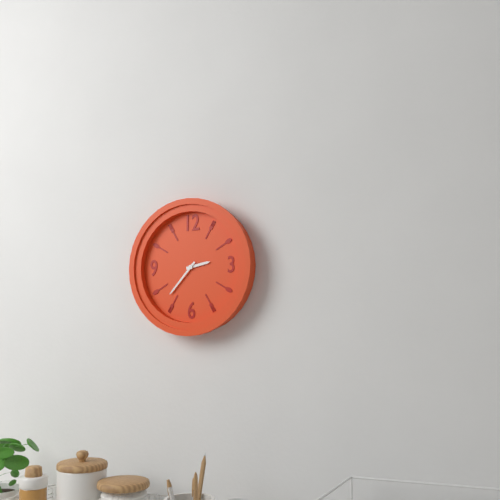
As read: 2:37
